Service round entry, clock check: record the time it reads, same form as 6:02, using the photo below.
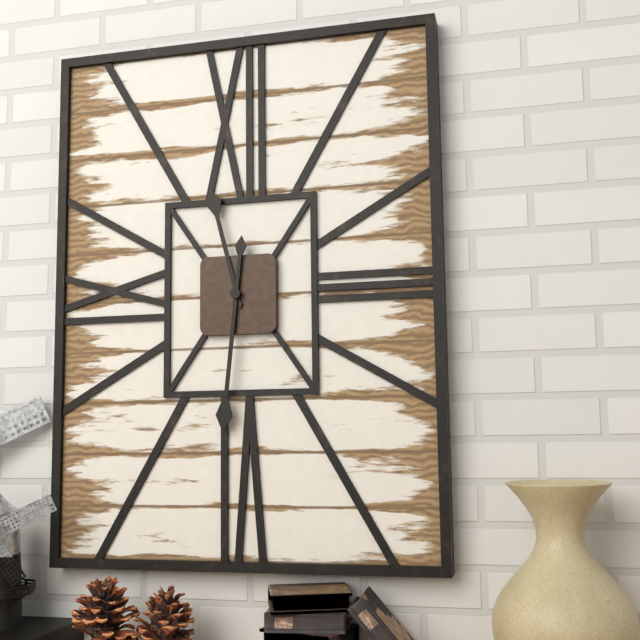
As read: 11:31
